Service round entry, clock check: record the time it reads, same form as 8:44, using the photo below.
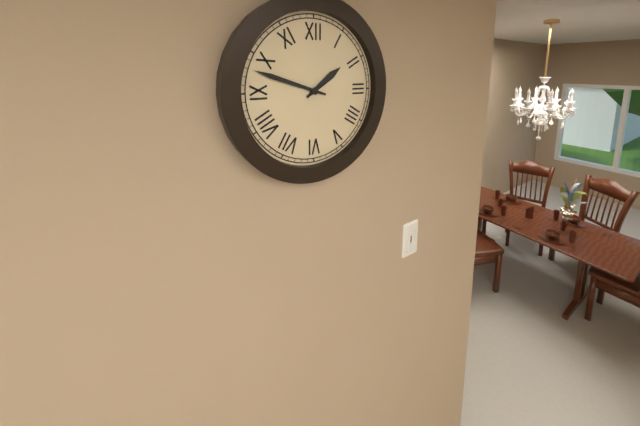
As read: 1:48
